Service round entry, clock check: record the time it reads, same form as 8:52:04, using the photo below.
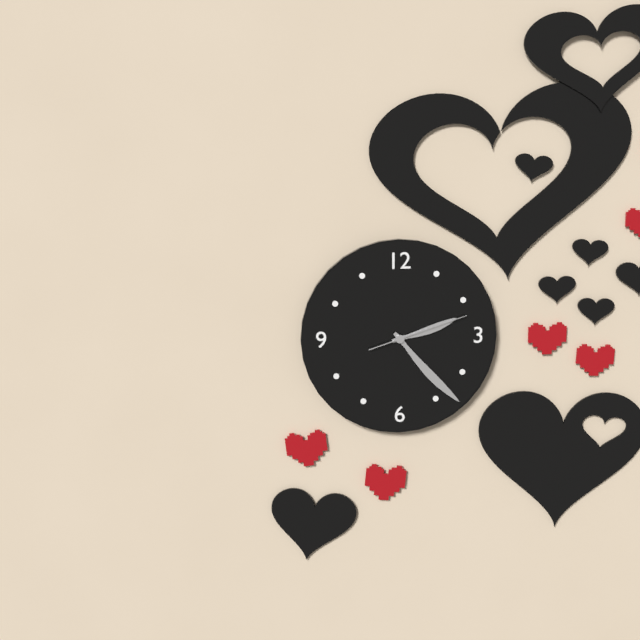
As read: 2:23:12
